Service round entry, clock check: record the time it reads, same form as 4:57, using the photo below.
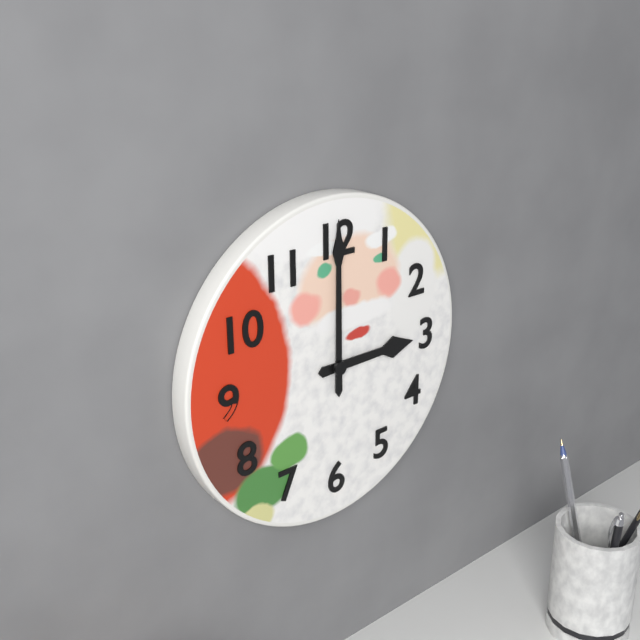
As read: 3:00
